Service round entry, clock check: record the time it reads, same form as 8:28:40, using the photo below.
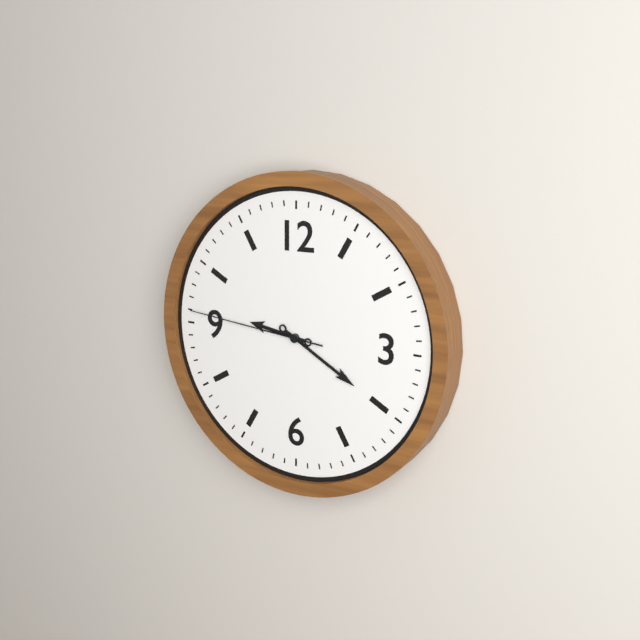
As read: 9:20:46
